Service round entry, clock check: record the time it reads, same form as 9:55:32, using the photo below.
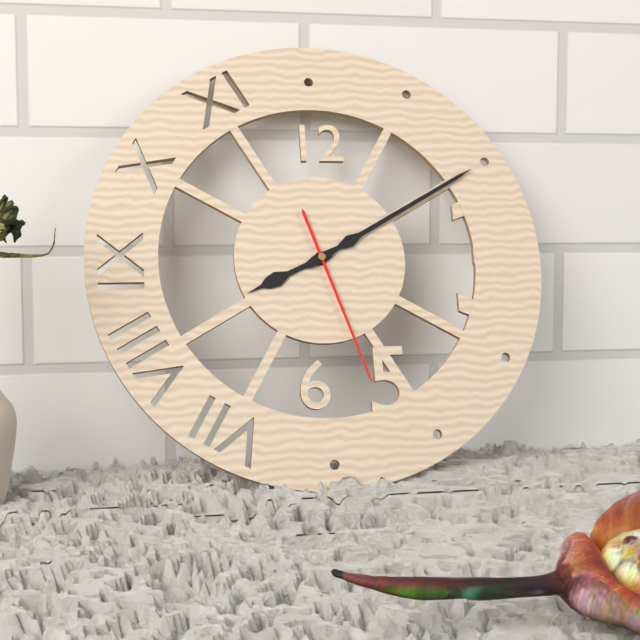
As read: 8:10:27
